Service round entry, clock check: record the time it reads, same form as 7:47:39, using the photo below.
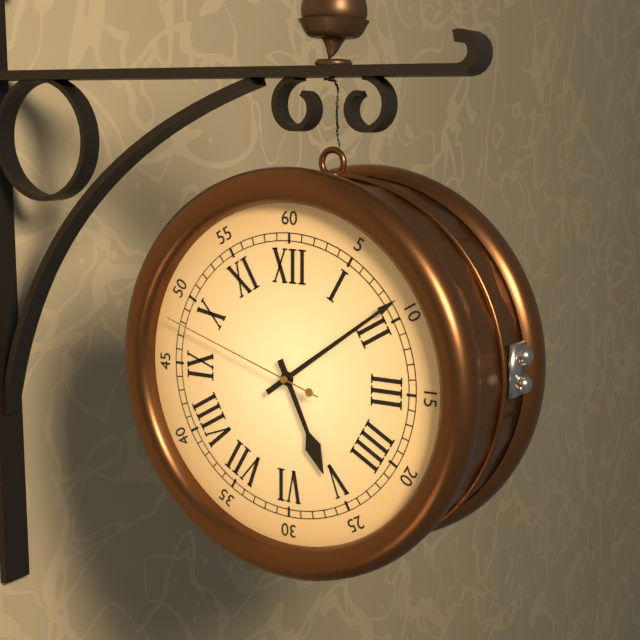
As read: 5:09:48
